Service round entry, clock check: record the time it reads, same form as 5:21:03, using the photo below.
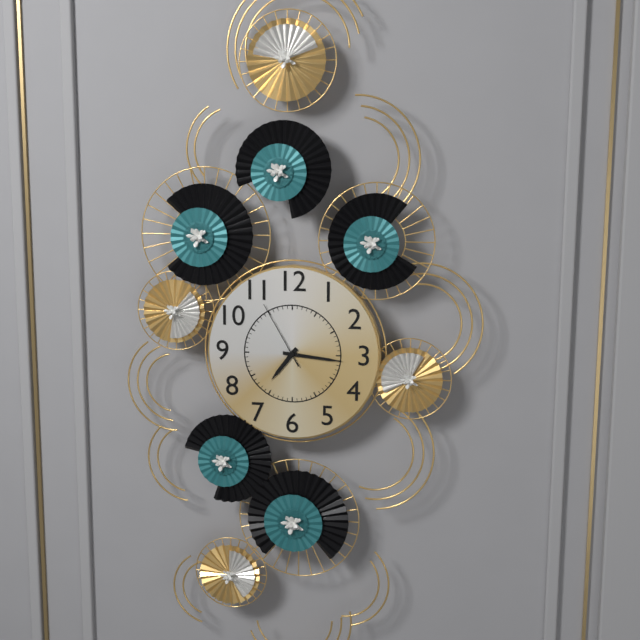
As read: 7:16:55
